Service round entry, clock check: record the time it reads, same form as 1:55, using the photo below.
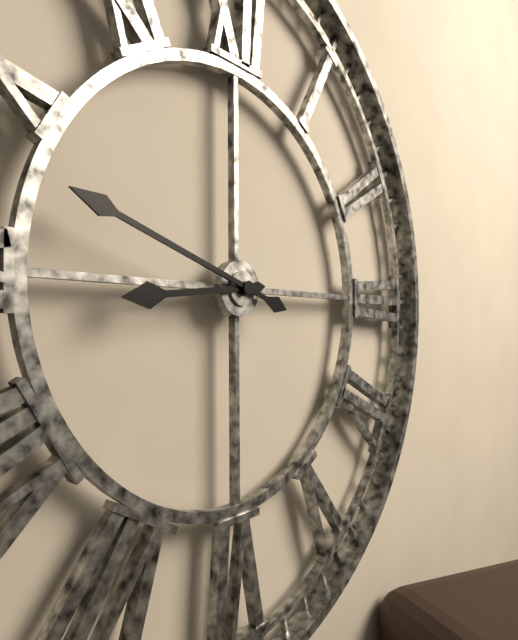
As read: 8:48
